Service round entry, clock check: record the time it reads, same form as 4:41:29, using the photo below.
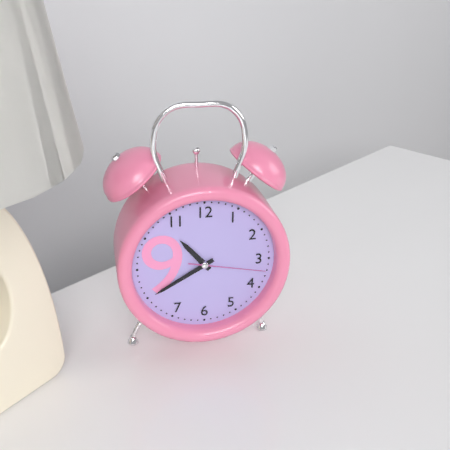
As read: 10:40:17
